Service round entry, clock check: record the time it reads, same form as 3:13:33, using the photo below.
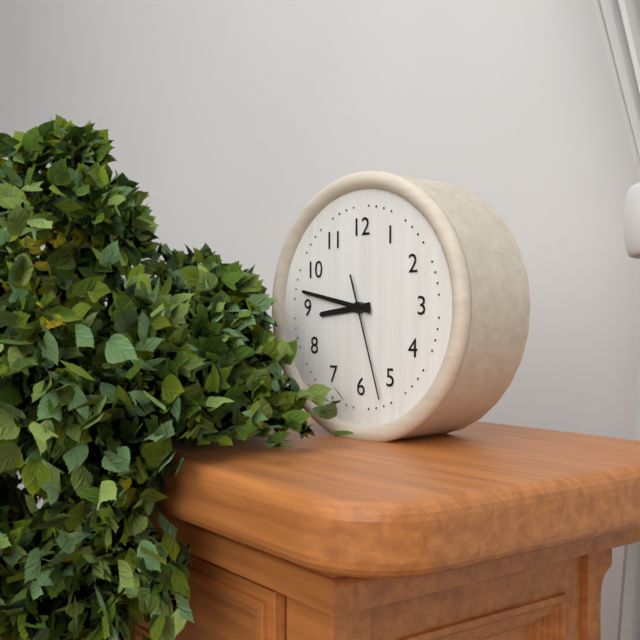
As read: 8:47:27
